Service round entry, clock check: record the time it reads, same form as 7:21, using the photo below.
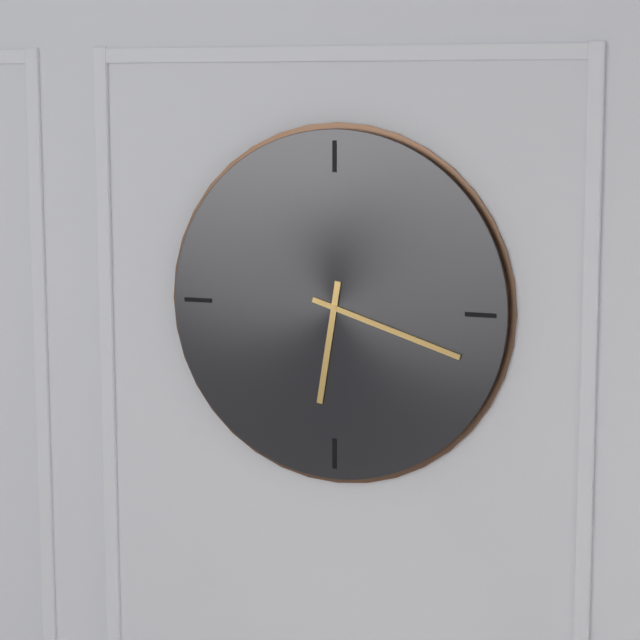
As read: 6:18
